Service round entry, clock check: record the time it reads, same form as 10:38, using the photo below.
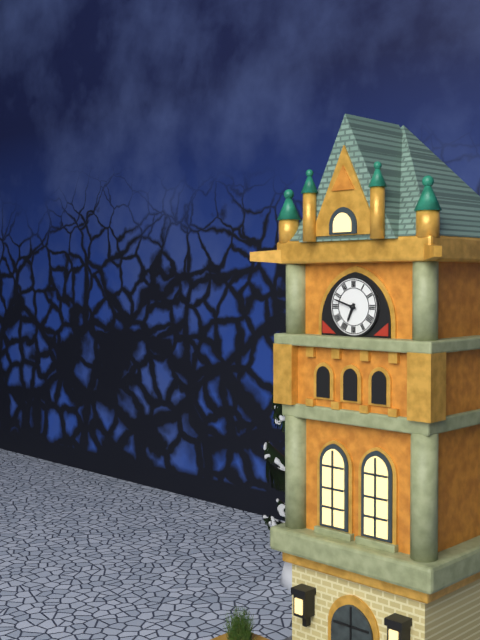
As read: 6:48
